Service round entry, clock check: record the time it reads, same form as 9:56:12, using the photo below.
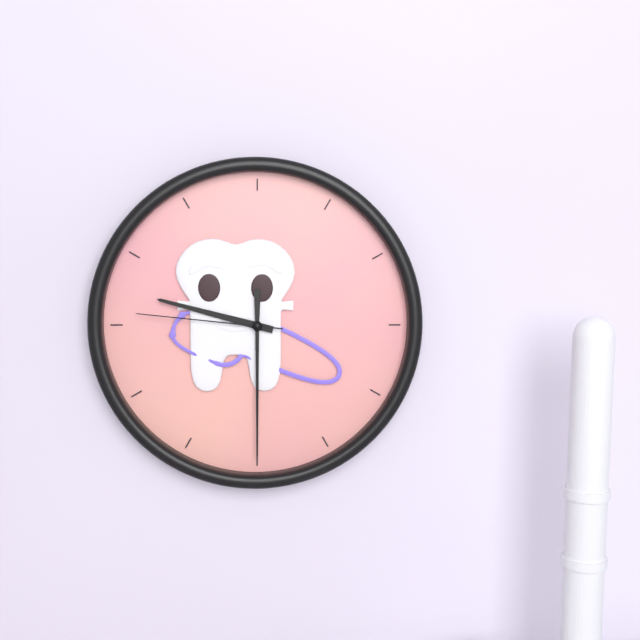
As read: 9:30:46
